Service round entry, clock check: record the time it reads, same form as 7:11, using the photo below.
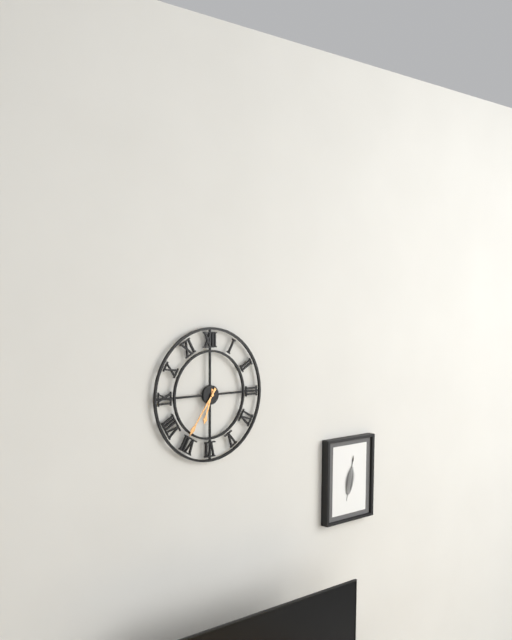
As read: 6:36
